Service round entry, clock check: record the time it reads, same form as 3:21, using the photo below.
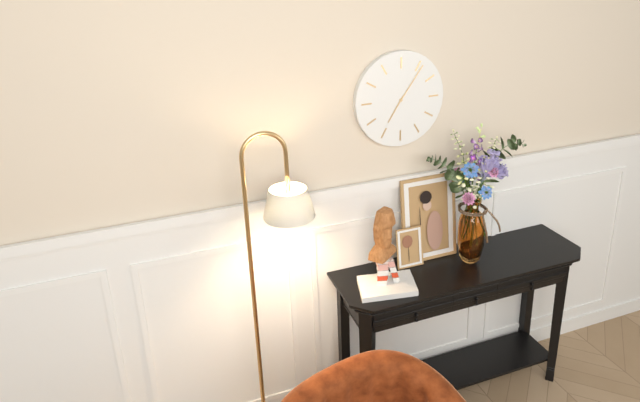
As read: 7:06
